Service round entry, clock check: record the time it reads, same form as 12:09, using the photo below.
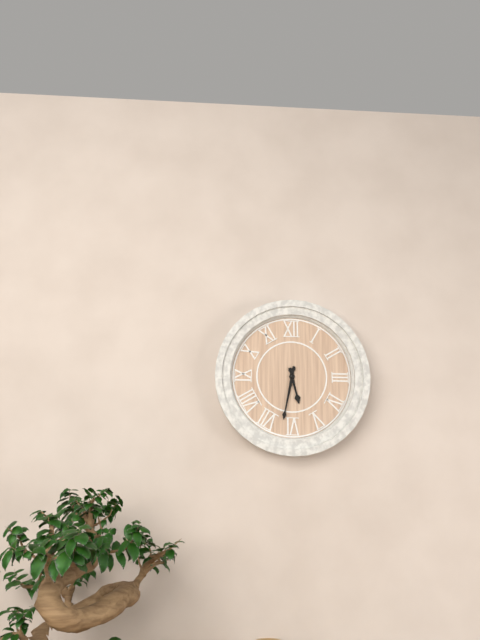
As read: 5:32
